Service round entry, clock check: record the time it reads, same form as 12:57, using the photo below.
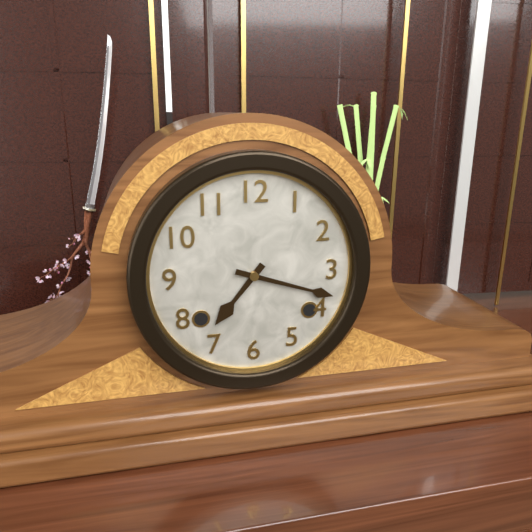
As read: 7:18
